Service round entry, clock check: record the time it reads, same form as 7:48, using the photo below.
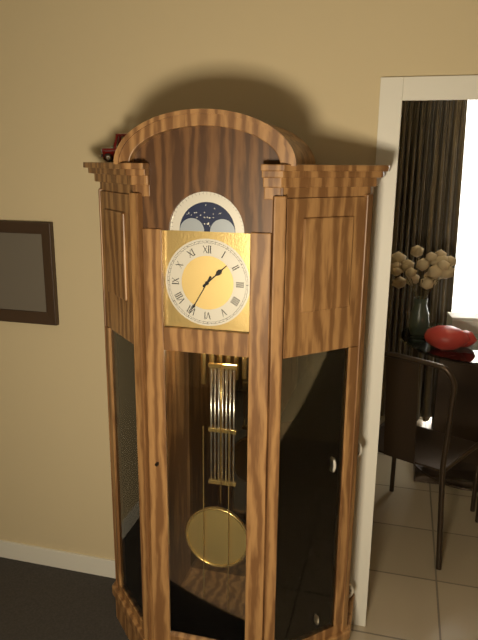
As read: 1:35
